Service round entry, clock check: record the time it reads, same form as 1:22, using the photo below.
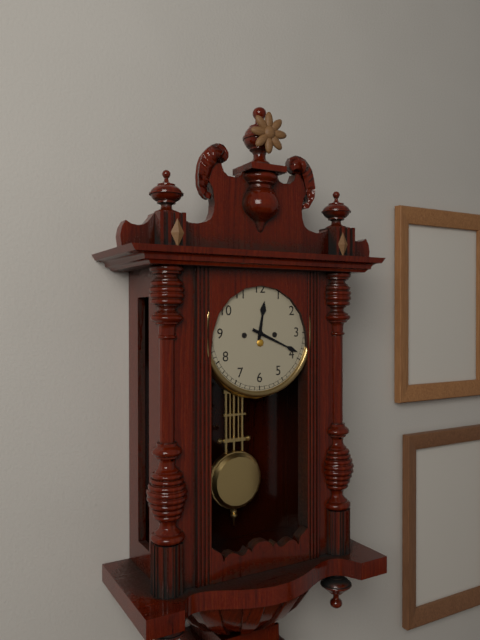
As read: 12:19
